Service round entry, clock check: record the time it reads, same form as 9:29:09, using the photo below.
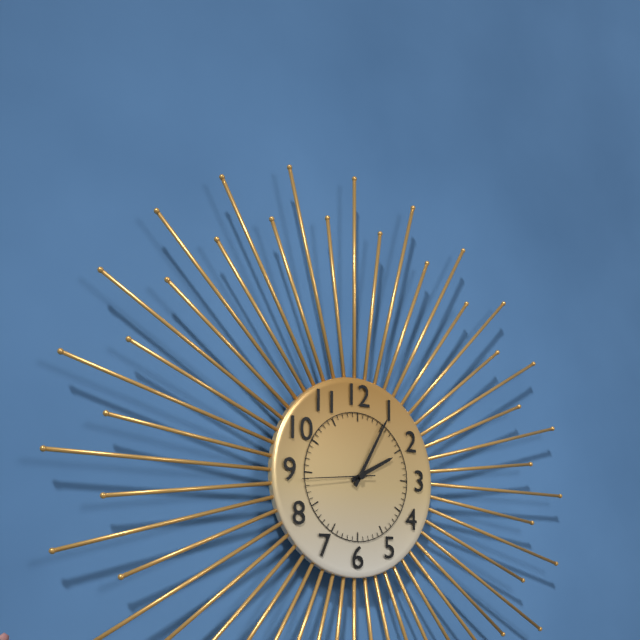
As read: 2:05:44
